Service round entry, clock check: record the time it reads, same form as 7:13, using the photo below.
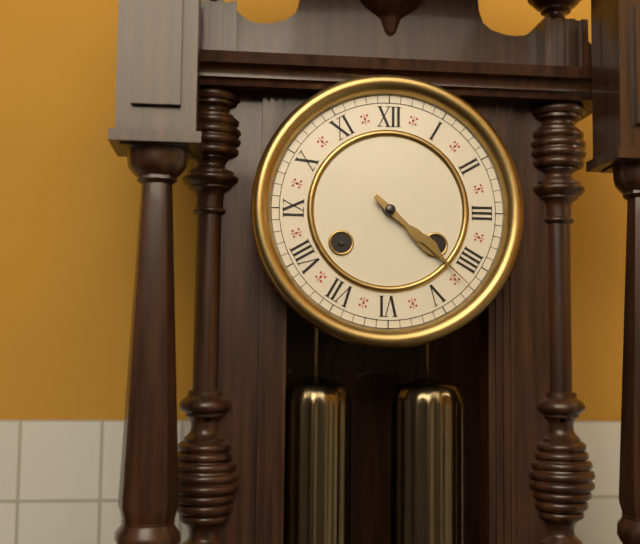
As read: 4:22
